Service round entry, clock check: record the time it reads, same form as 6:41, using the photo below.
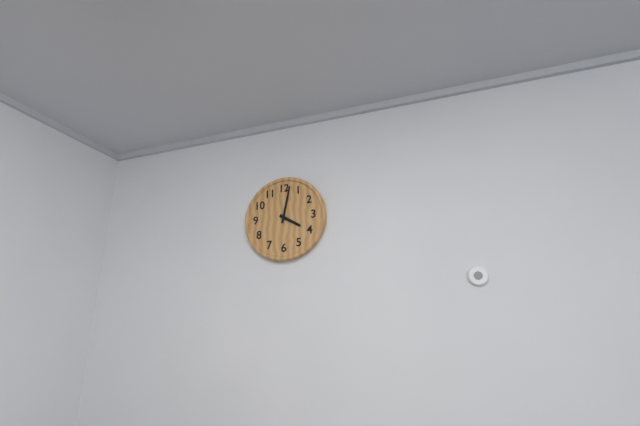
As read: 4:02
